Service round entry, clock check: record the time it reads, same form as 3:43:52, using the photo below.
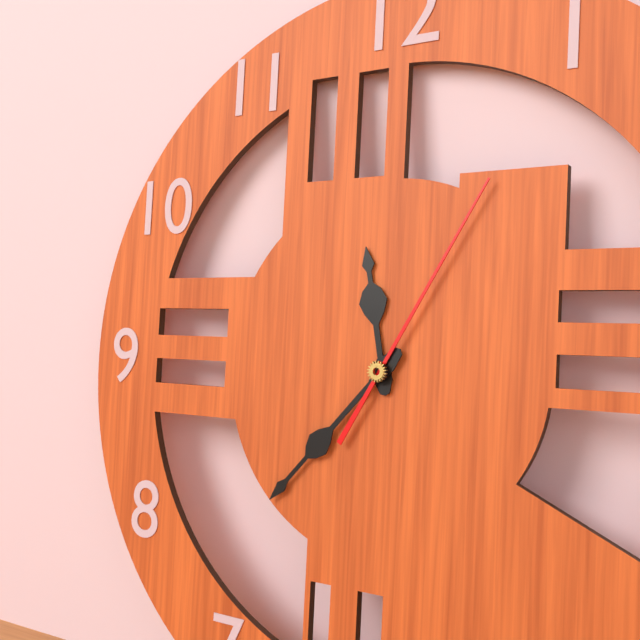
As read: 11:37:05
